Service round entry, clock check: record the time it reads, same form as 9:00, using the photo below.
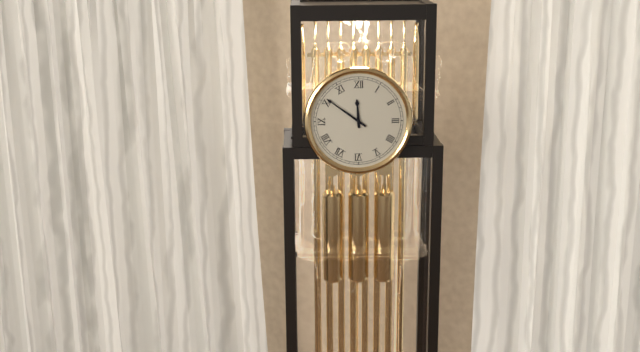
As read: 11:51
